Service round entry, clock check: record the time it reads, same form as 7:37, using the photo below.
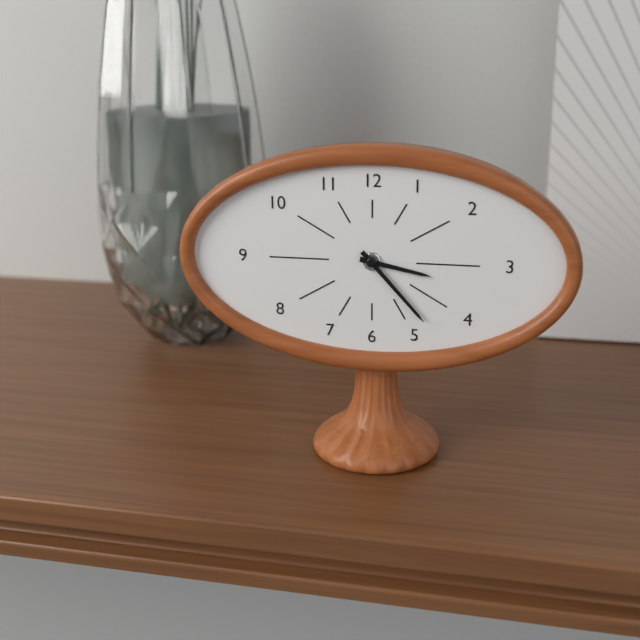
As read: 3:23
